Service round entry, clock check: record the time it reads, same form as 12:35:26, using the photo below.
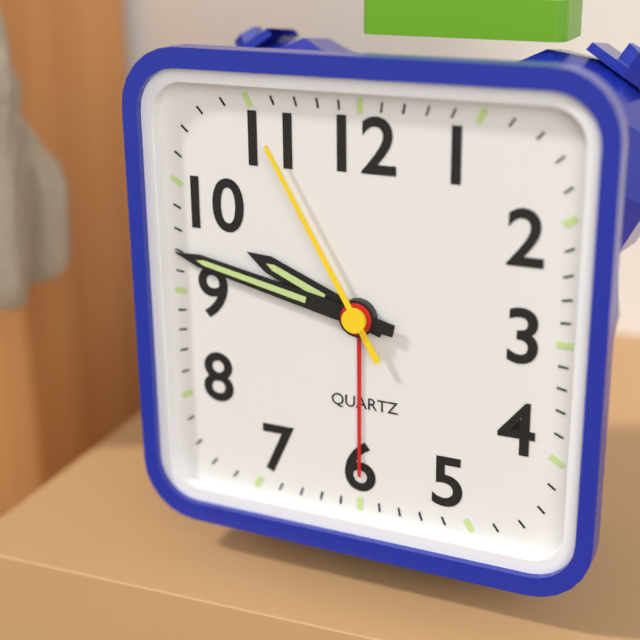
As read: 9:47:55
